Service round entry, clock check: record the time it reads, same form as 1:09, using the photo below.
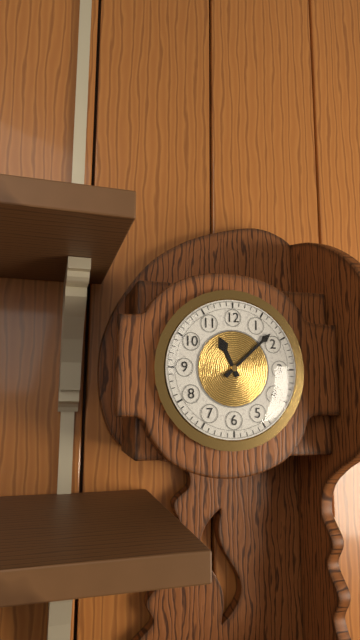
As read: 11:08
